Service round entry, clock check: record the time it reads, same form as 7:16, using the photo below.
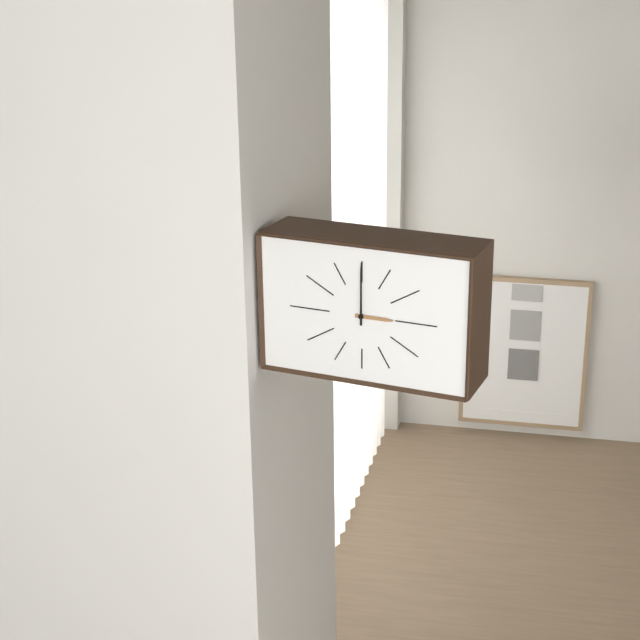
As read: 3:00
